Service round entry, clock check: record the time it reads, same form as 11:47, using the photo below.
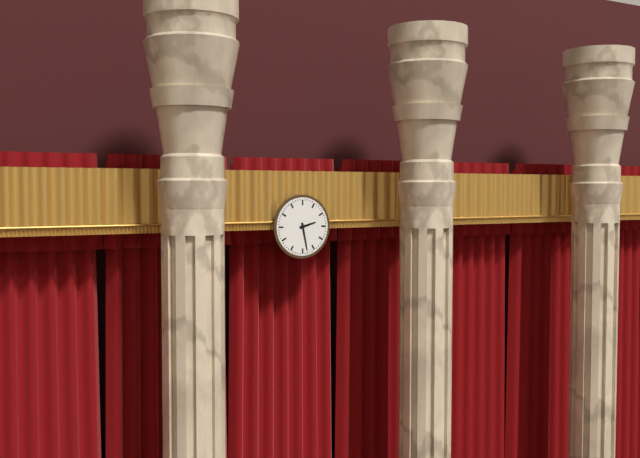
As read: 2:28
